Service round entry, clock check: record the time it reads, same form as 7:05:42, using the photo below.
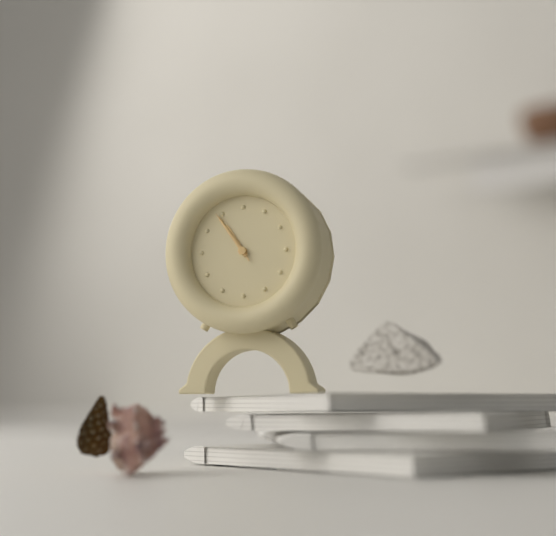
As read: 10:54:54
